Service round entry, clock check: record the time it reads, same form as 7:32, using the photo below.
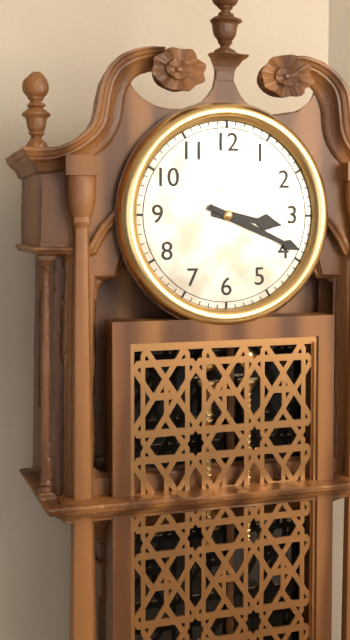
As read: 3:19
